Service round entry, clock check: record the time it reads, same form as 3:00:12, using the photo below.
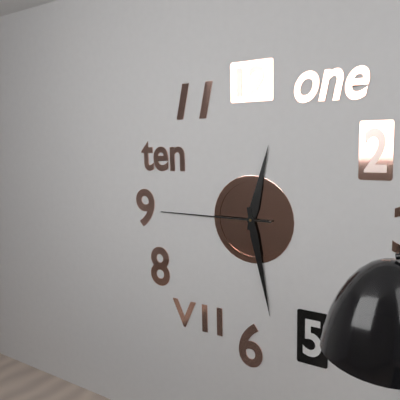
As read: 12:28:45
